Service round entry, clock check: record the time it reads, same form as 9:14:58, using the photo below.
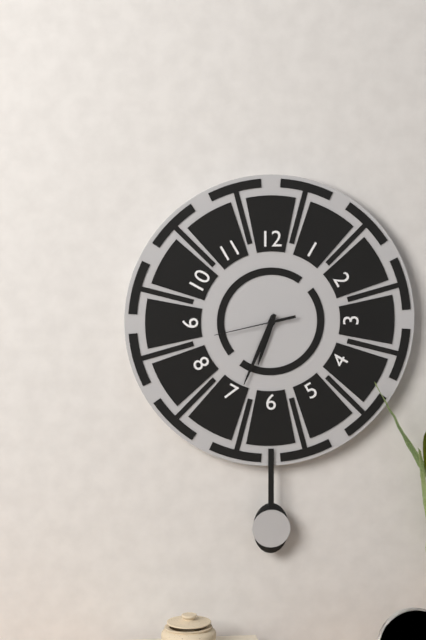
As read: 6:34:43
